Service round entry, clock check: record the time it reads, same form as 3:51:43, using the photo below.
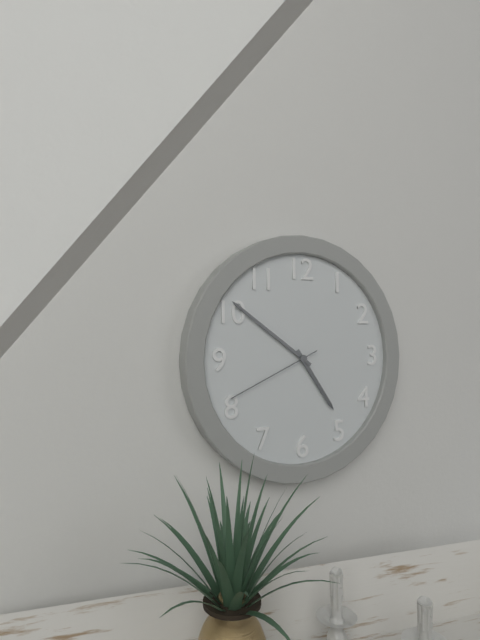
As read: 4:51:41
